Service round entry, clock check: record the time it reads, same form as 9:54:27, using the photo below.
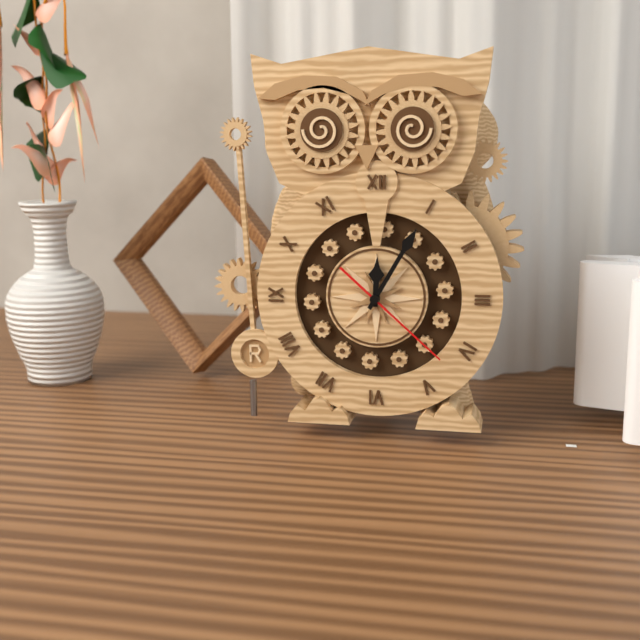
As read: 12:05:22
